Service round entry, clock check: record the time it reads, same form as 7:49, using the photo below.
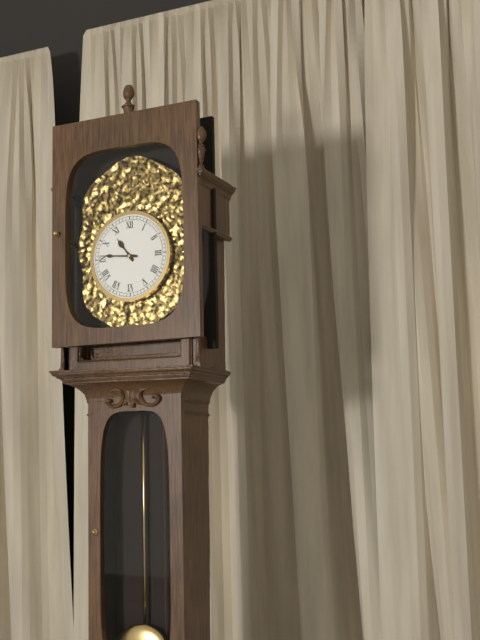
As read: 10:46
